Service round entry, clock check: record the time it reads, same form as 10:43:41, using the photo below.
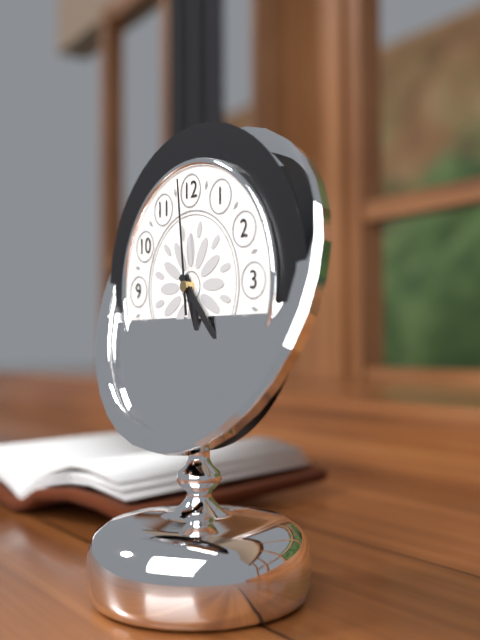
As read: 5:23:59
